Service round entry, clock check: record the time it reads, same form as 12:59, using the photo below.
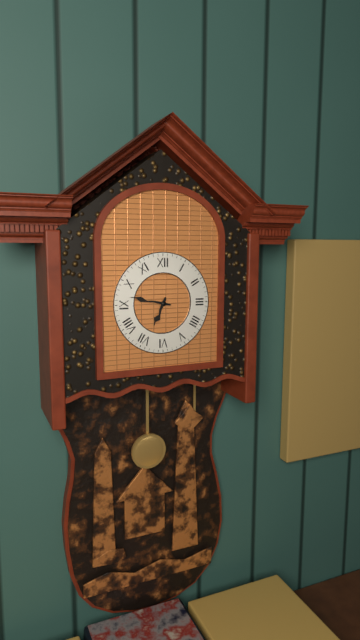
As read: 6:47
